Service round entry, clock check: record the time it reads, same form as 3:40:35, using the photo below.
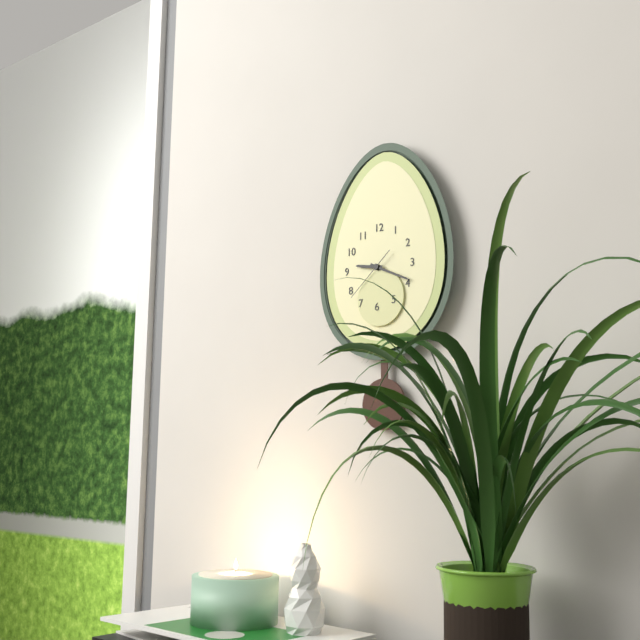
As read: 9:19:38
